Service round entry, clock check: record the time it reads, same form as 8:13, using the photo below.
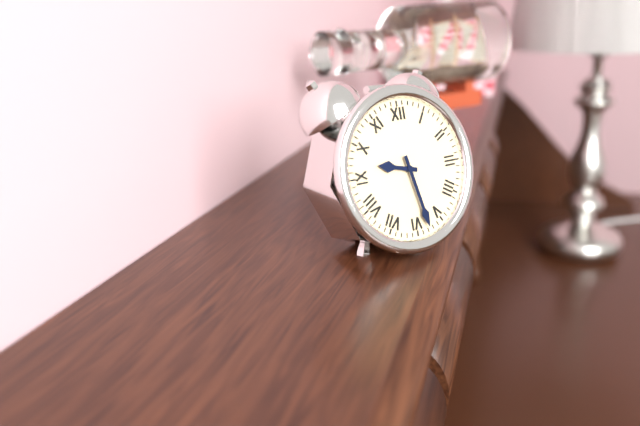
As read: 9:28
